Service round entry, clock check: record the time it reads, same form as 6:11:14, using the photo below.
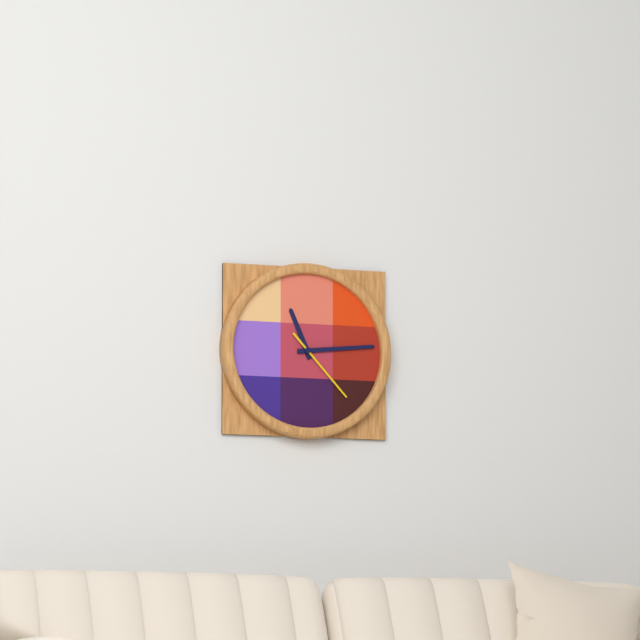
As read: 11:14:23
